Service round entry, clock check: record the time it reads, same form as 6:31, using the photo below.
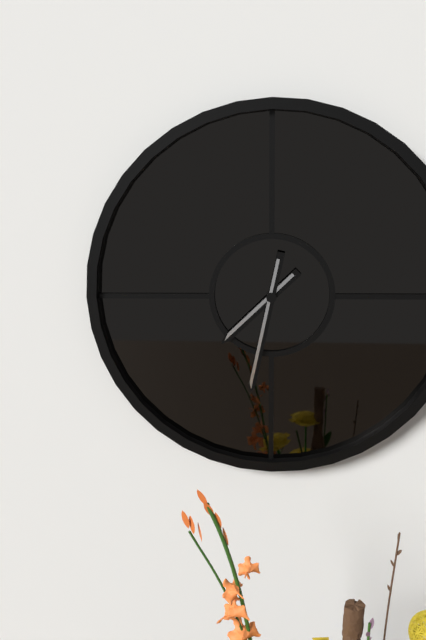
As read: 7:32
